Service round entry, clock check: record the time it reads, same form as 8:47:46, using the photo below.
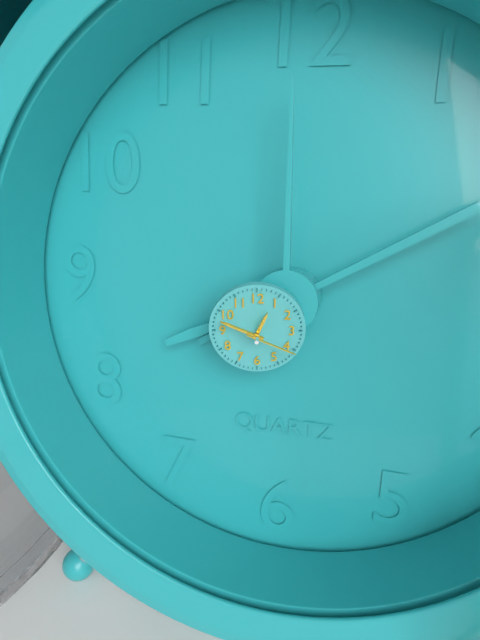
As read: 12:49:19
